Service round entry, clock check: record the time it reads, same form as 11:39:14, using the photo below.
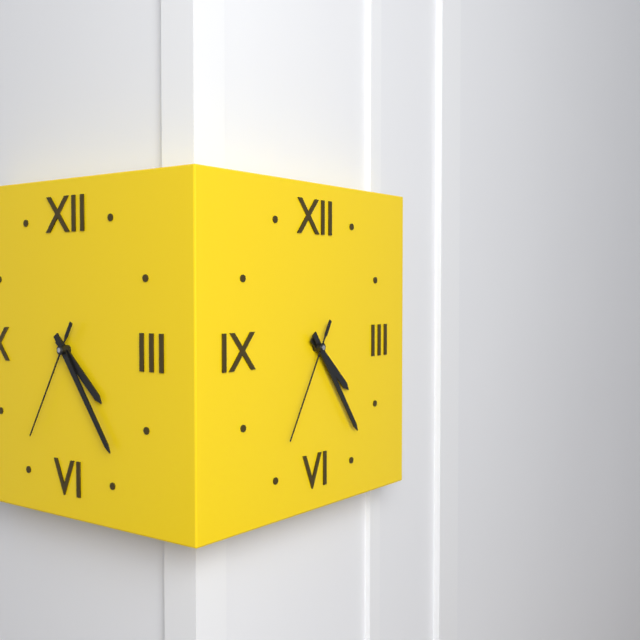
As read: 4:24:35
